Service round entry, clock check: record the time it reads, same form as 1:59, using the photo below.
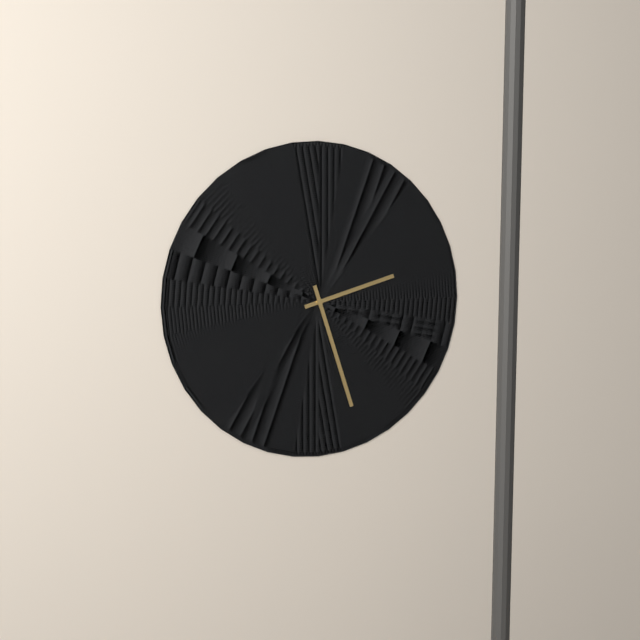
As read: 2:27
